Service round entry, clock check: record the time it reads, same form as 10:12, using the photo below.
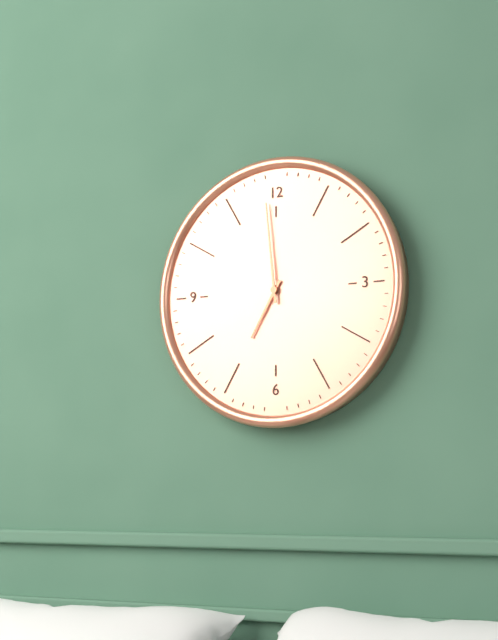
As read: 6:59
